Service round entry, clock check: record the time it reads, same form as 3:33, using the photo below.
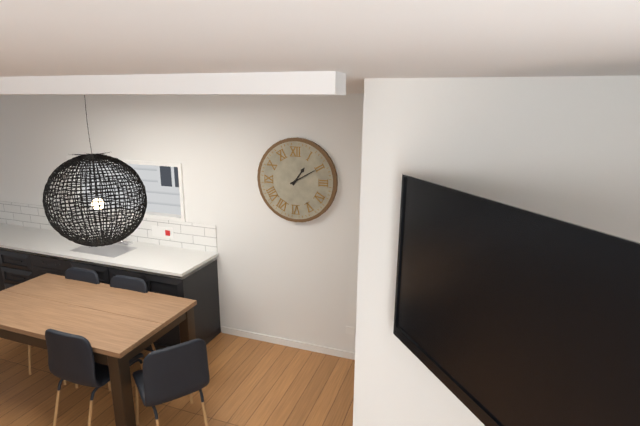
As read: 1:10
